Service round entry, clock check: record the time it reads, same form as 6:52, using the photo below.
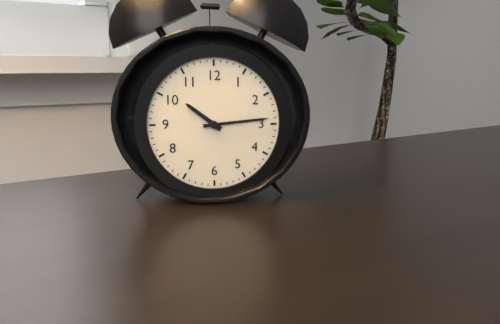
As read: 10:14
